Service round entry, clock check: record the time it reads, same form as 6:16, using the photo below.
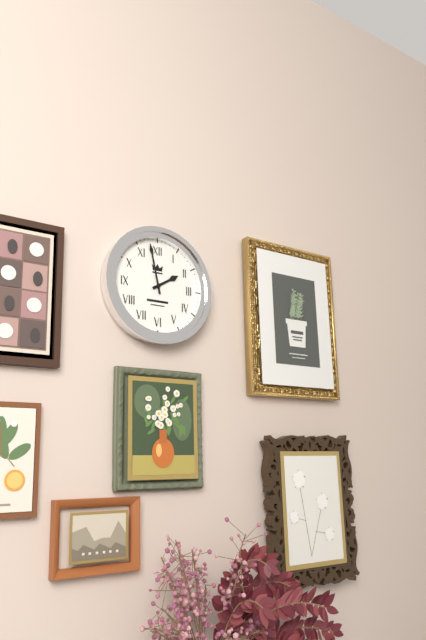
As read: 1:58
